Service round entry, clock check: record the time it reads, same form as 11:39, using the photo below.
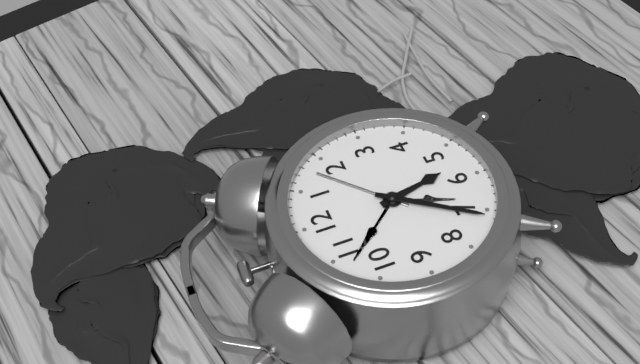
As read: 5:36
